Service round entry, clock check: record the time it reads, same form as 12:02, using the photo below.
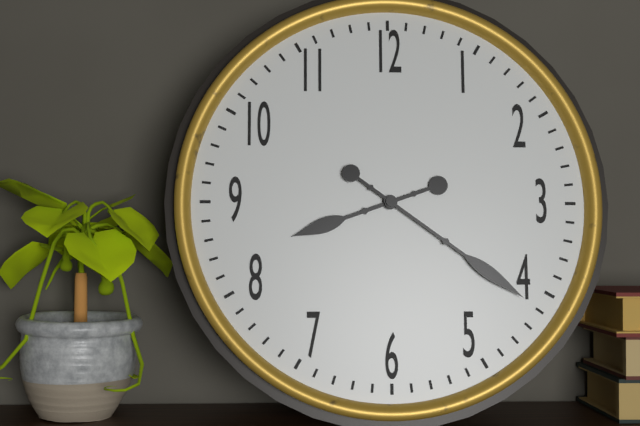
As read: 8:21
